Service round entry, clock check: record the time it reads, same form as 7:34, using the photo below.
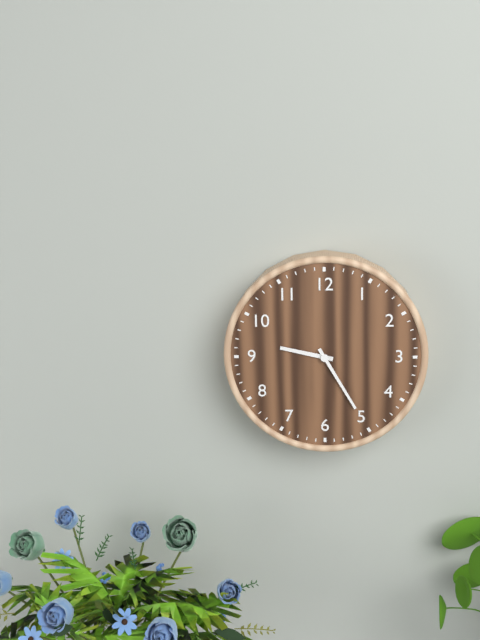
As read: 9:25
